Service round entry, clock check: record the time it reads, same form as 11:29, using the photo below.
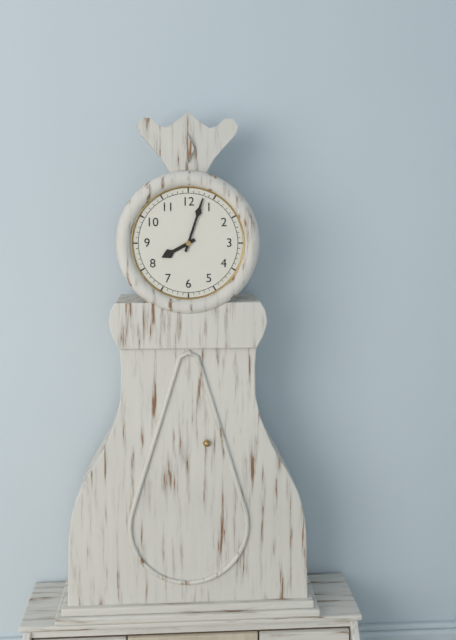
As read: 8:03
